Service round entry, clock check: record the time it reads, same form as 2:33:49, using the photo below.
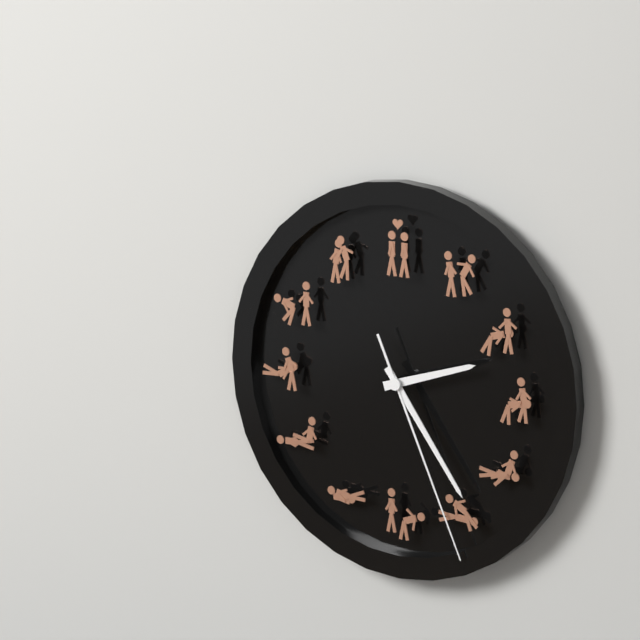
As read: 2:24:26
